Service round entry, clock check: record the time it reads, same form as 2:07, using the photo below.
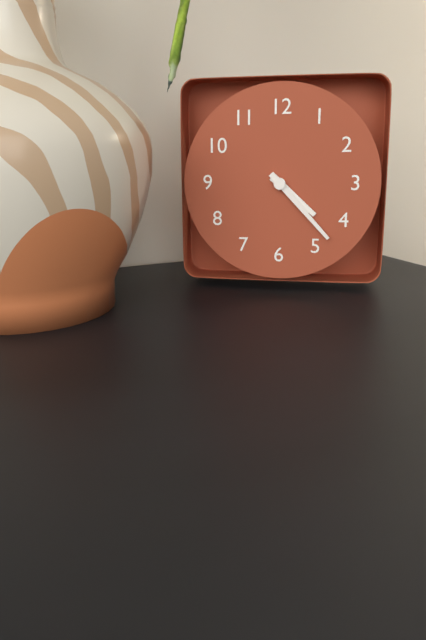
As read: 4:23
